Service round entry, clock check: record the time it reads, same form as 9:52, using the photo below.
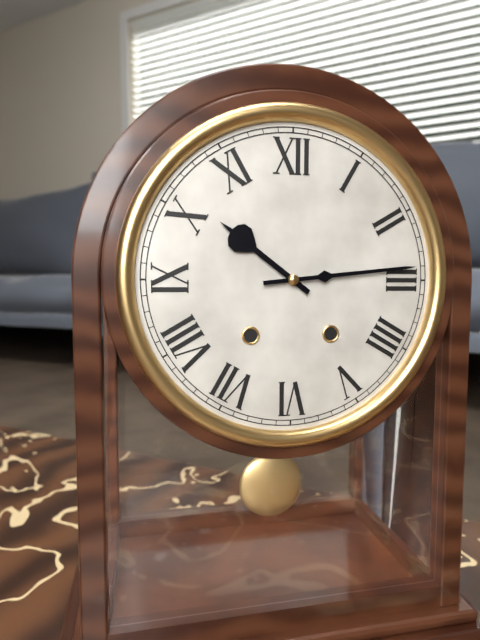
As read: 10:14
